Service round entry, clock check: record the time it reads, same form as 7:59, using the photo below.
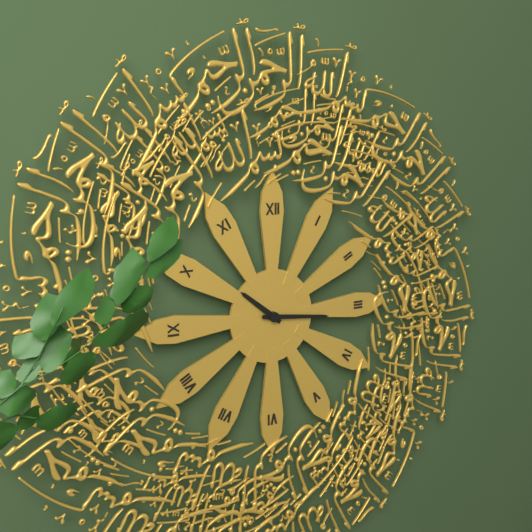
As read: 10:16
